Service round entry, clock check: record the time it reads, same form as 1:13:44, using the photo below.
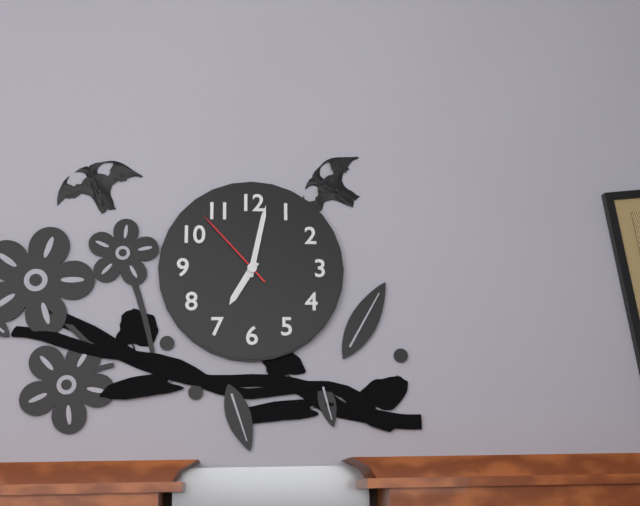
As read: 7:02:53
